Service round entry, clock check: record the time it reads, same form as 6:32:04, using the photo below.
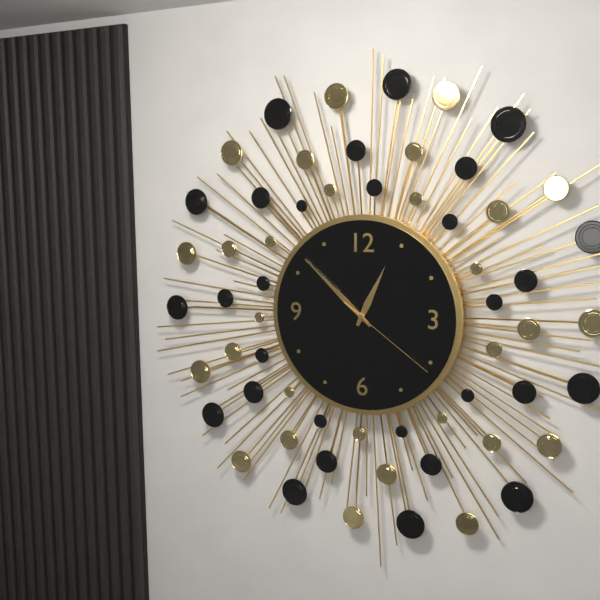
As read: 12:52:21
